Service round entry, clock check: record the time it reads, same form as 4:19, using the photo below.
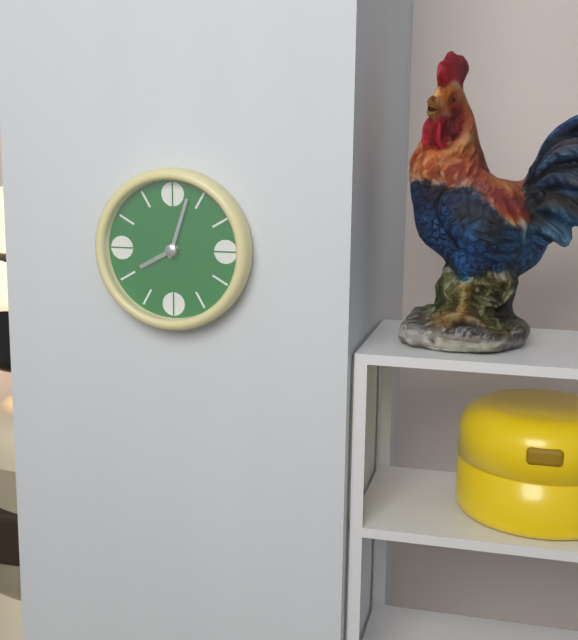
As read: 8:03
